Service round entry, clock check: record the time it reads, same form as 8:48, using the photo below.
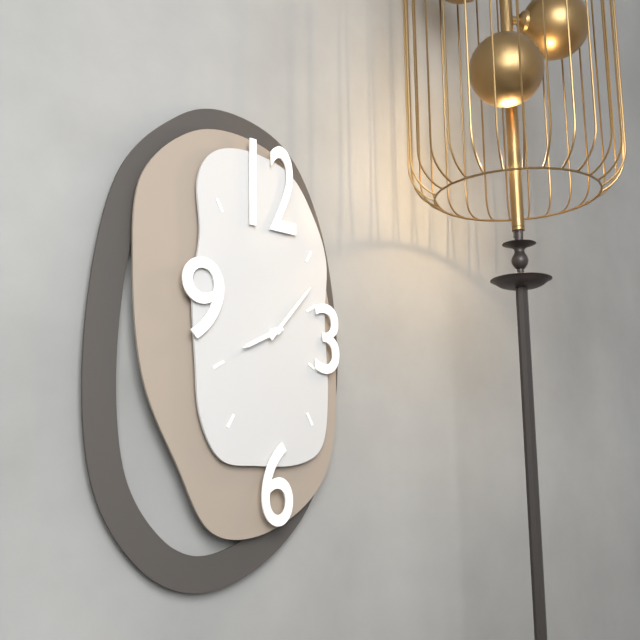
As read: 8:07
